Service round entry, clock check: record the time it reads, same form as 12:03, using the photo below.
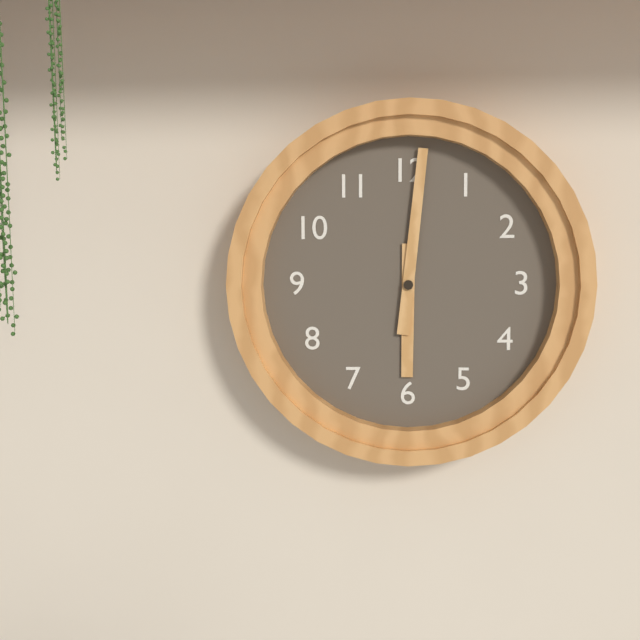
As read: 6:01
